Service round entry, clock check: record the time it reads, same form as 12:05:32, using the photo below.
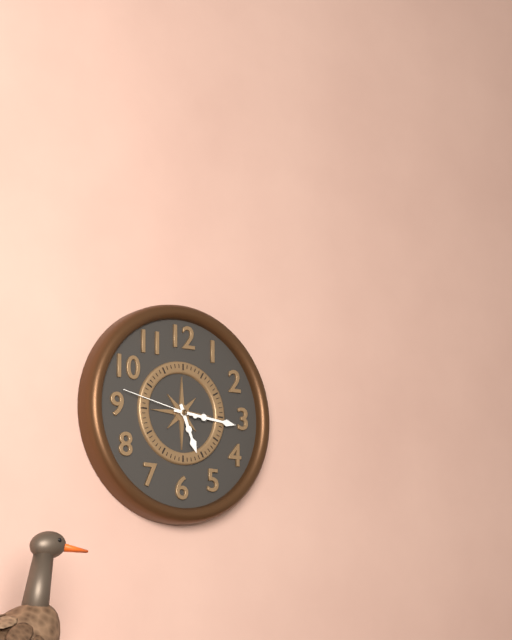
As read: 5:16:47
